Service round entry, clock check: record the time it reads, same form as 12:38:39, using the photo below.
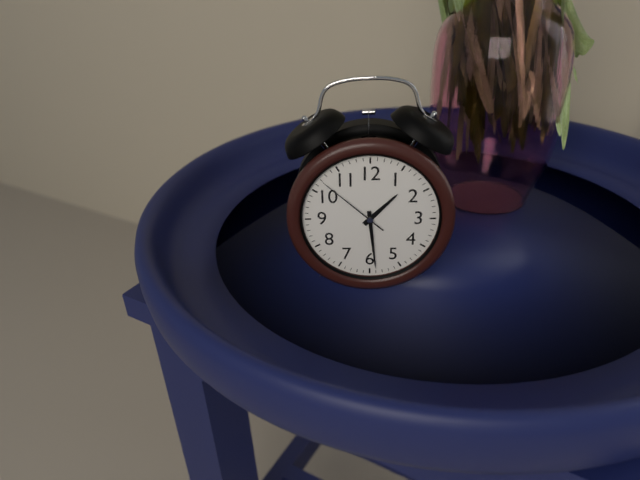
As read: 1:29:52
